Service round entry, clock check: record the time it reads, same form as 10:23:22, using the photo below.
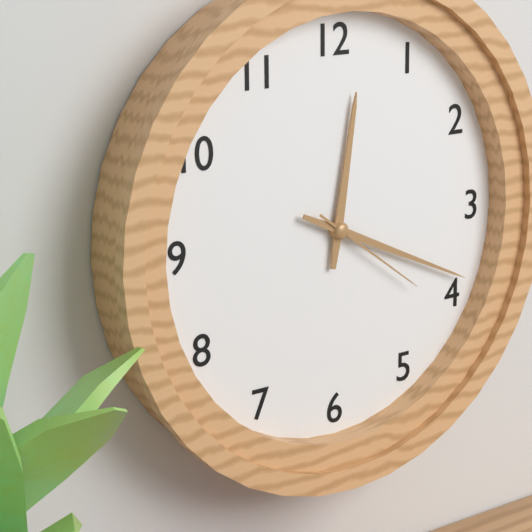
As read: 12:19:21
